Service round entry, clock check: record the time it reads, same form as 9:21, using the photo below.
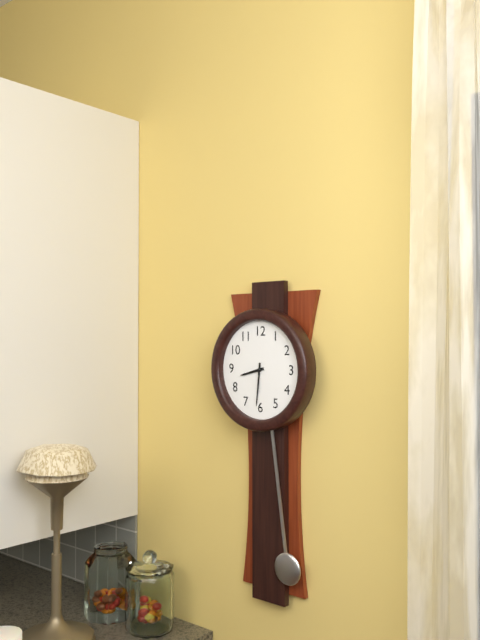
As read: 8:31
